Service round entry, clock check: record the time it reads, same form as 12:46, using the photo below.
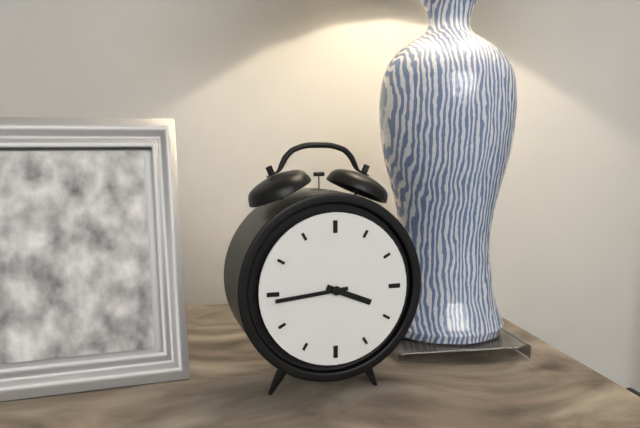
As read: 3:44
